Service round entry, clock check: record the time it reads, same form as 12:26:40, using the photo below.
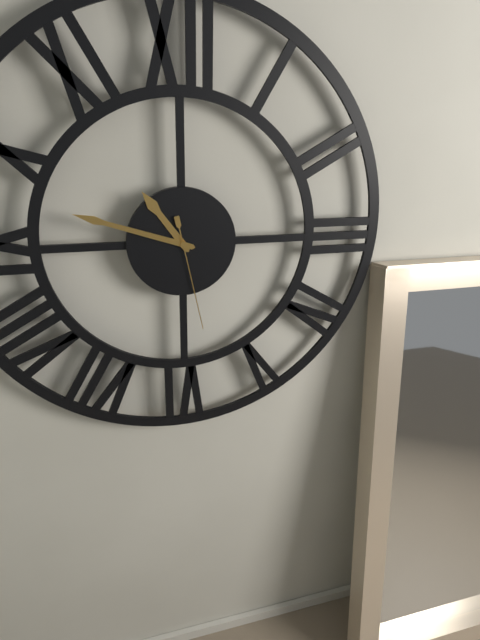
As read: 10:48:28
